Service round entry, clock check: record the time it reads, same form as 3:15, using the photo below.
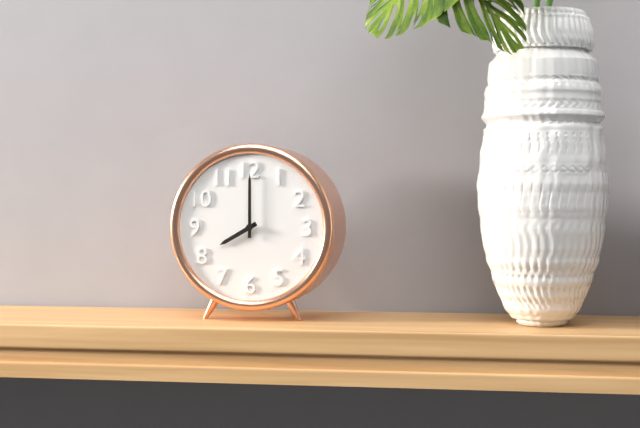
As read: 8:00
